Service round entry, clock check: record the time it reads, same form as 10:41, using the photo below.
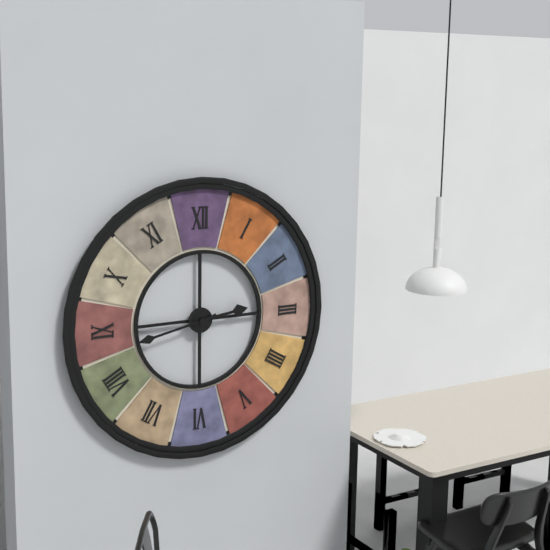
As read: 2:43
